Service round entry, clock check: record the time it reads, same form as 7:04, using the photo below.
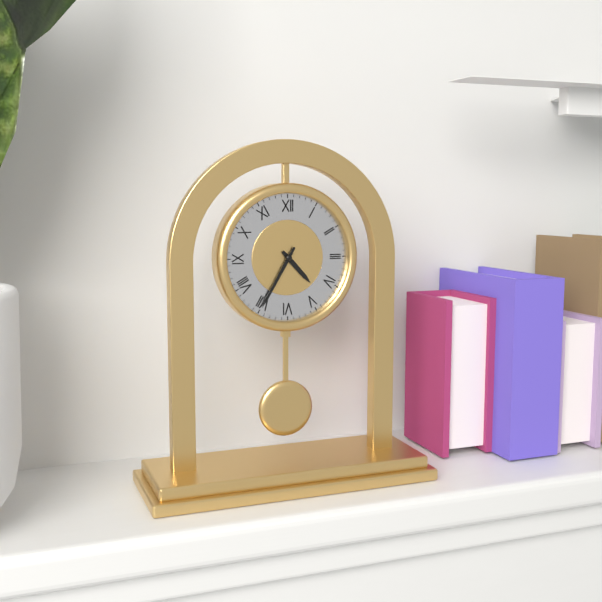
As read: 4:35
